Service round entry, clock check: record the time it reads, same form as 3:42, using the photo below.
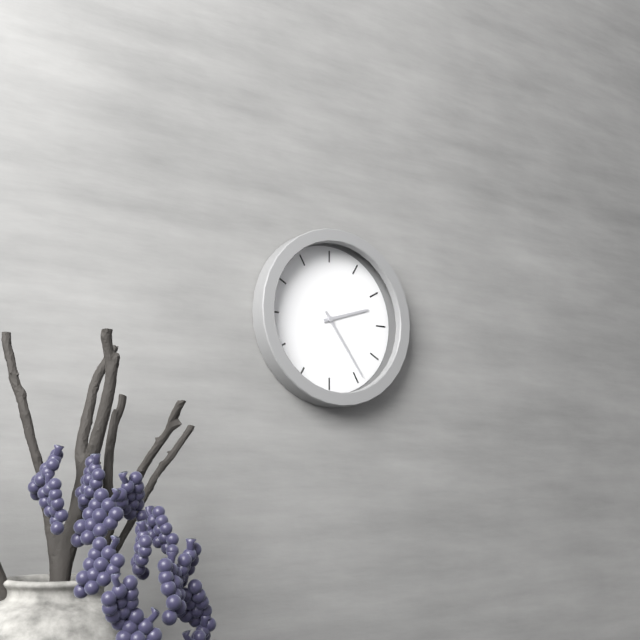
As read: 2:24
